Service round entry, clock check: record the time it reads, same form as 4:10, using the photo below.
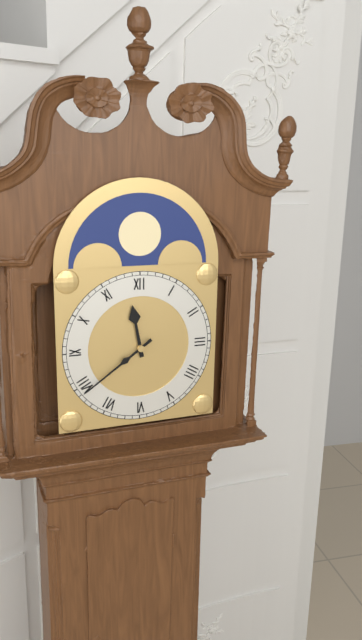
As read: 11:39
